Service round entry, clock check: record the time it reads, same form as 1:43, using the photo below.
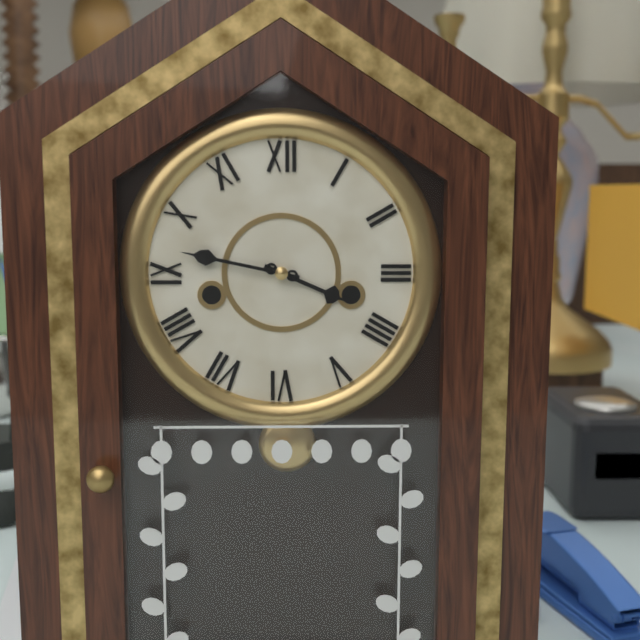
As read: 3:47
